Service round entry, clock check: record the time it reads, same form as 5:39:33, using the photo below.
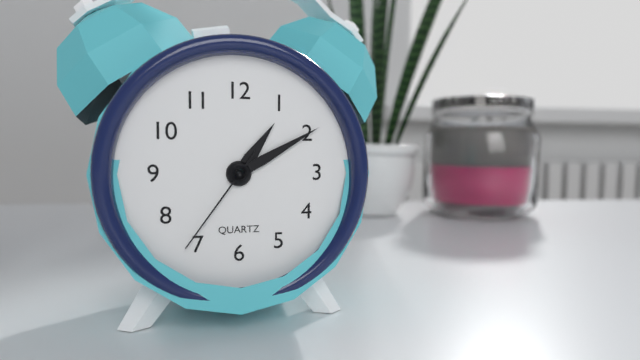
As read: 1:10:36
